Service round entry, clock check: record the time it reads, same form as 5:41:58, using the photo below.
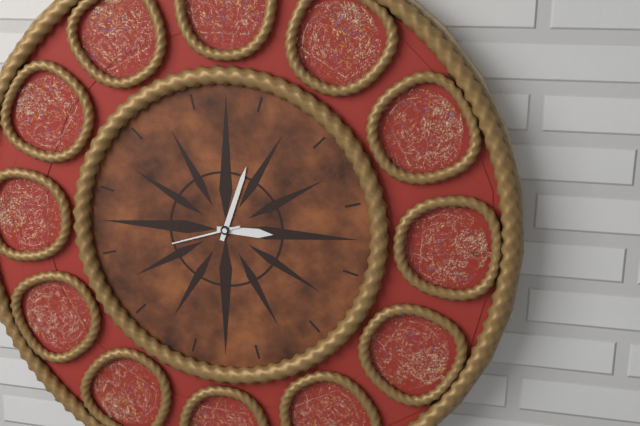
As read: 3:03:42
